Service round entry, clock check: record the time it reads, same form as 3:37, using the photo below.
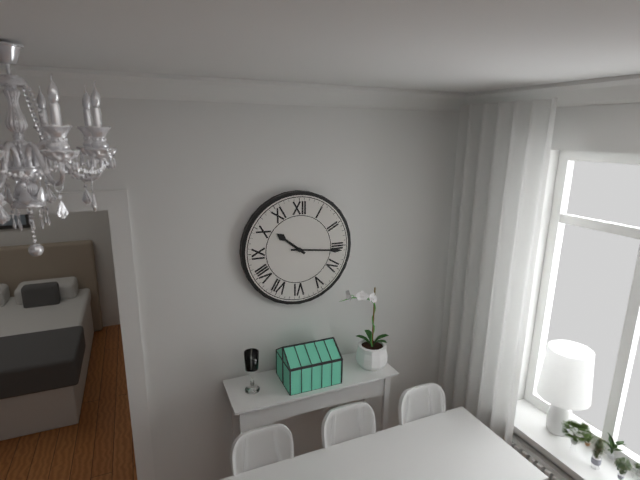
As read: 10:16
